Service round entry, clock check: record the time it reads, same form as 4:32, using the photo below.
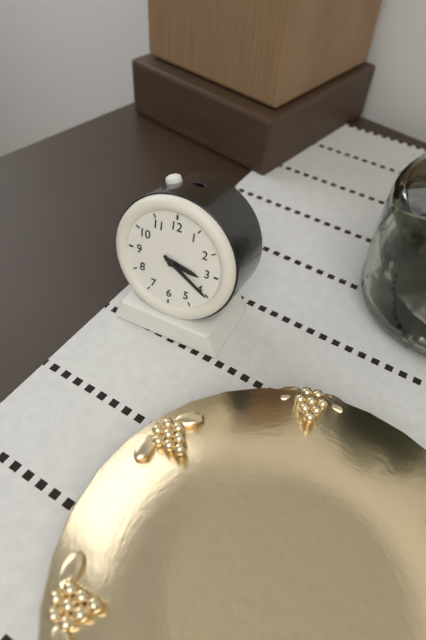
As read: 3:20
